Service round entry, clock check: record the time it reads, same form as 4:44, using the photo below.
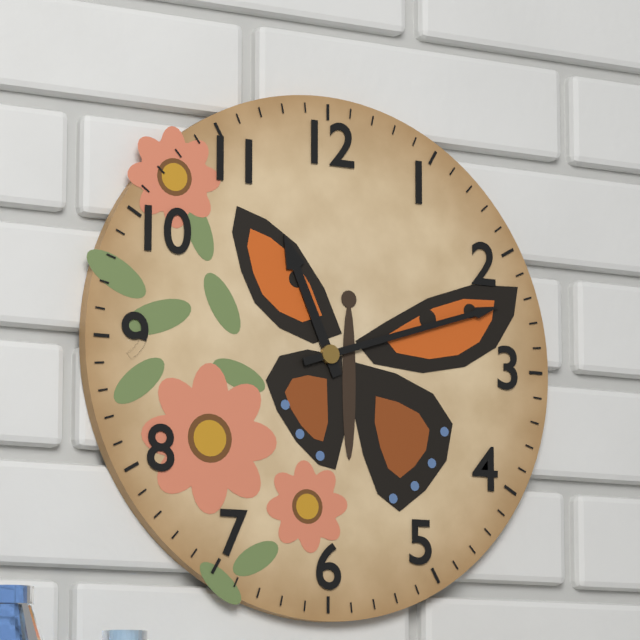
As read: 11:12
